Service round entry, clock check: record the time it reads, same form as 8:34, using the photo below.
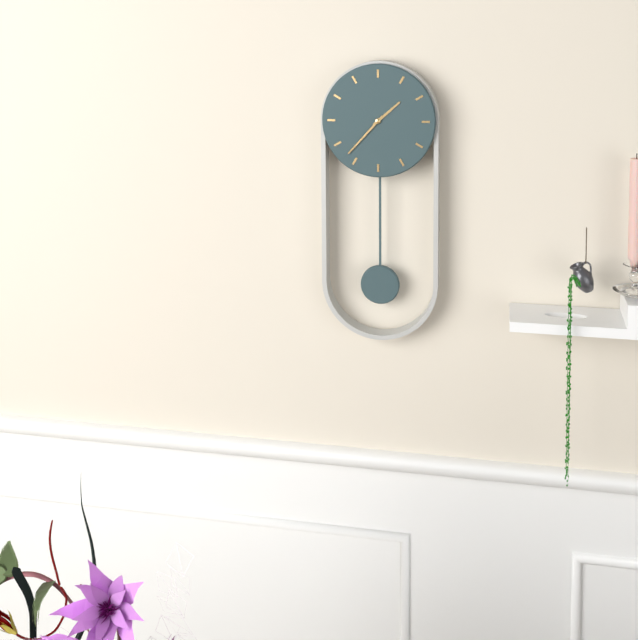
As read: 1:37
